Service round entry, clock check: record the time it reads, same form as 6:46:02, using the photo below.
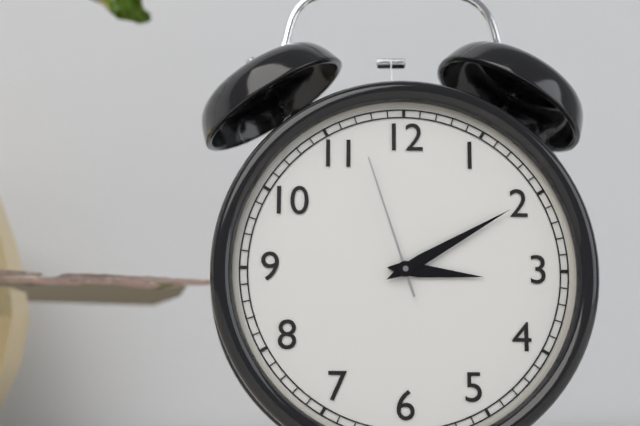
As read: 3:10:57
